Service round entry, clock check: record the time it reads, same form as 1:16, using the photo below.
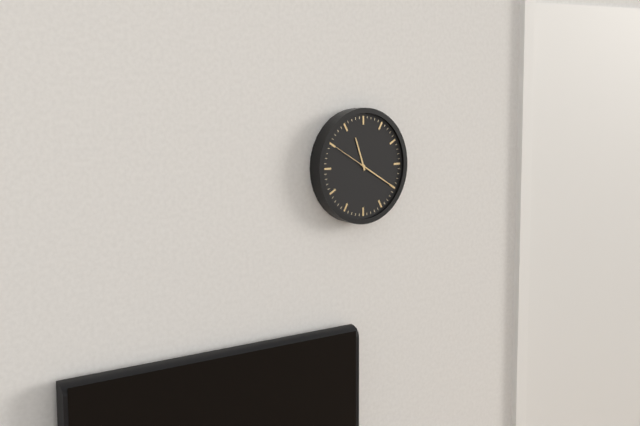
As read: 11:20
